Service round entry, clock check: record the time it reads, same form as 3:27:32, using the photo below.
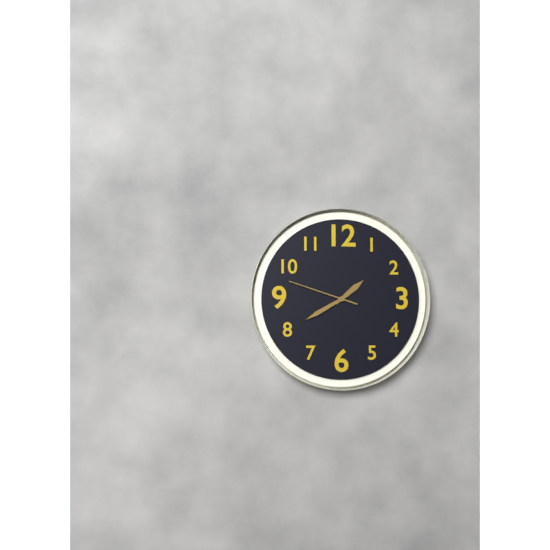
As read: 1:40:48
